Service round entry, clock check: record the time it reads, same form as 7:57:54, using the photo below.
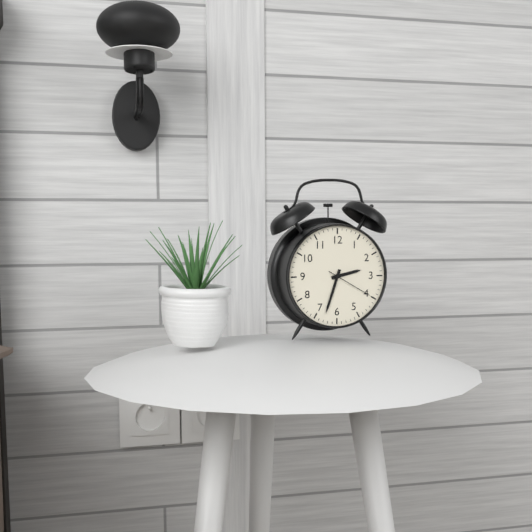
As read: 2:33:20
